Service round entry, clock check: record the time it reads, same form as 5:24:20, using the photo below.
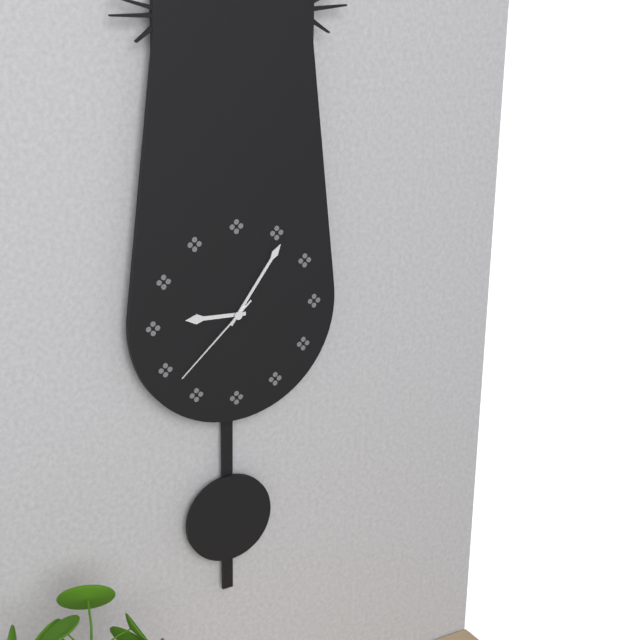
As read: 9:06:38
